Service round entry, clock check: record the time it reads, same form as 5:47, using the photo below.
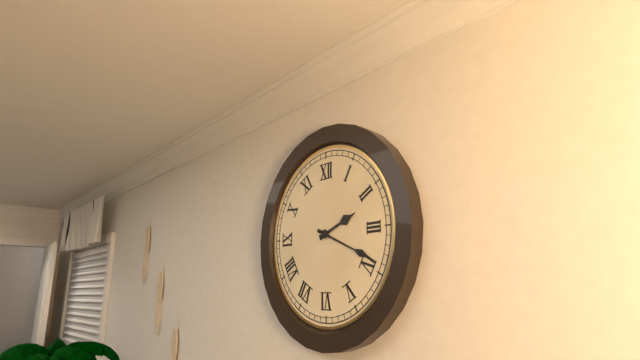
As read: 2:19
